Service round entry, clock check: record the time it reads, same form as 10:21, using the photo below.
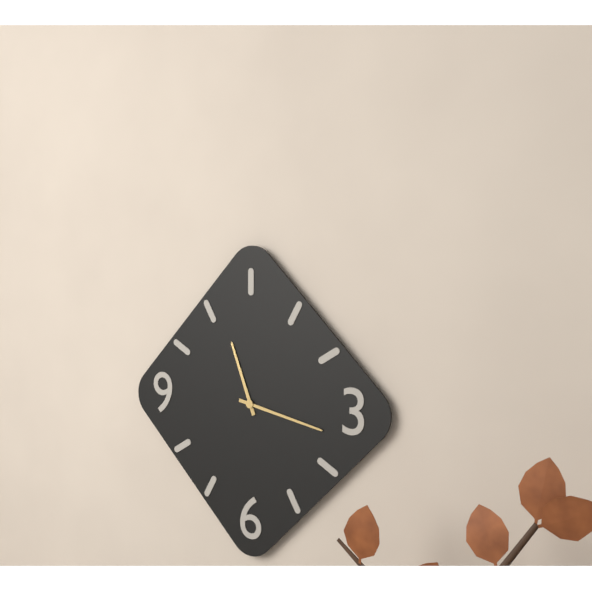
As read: 11:17
